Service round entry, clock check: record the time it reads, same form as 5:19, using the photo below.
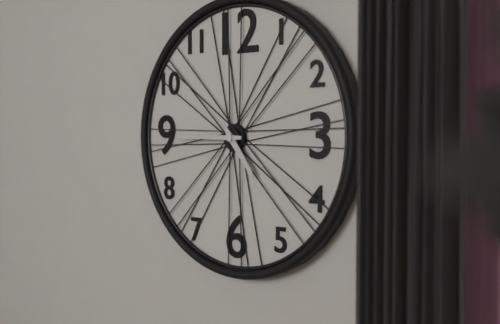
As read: 4:45
